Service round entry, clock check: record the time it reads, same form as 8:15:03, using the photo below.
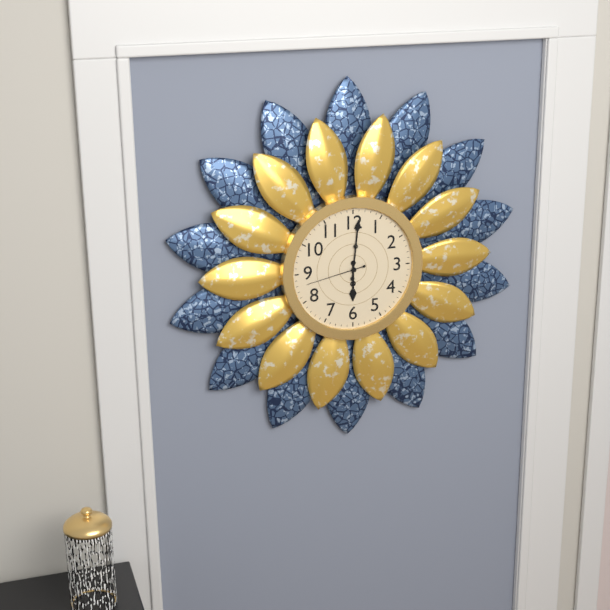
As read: 6:01:43
